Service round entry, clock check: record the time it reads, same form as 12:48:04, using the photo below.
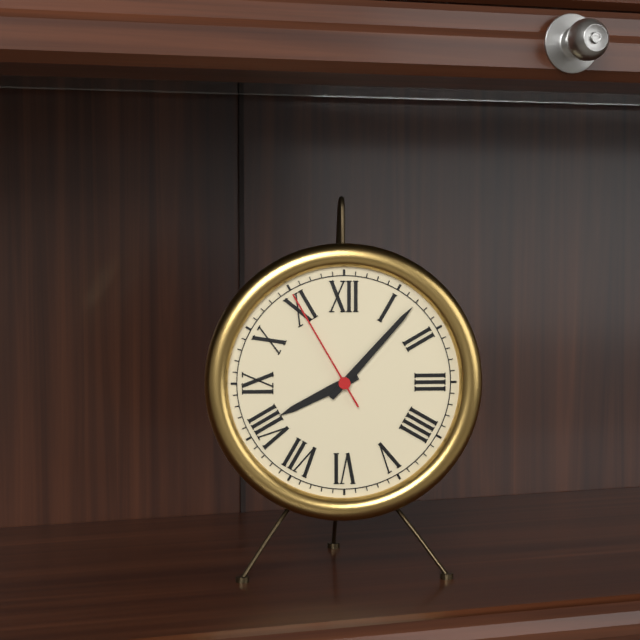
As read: 8:07:55
